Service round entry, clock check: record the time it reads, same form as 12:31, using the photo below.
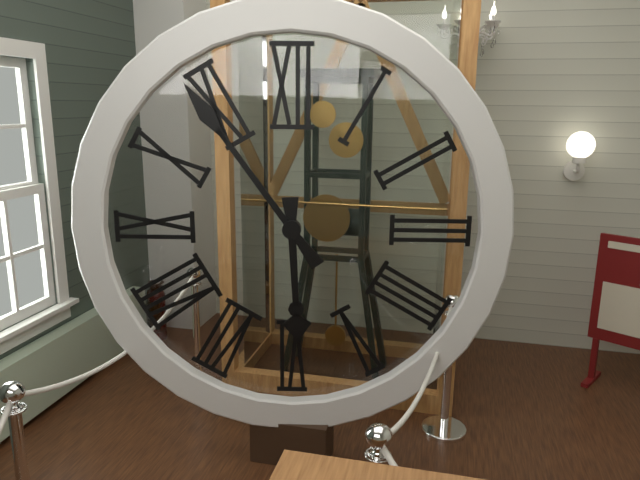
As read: 5:54
